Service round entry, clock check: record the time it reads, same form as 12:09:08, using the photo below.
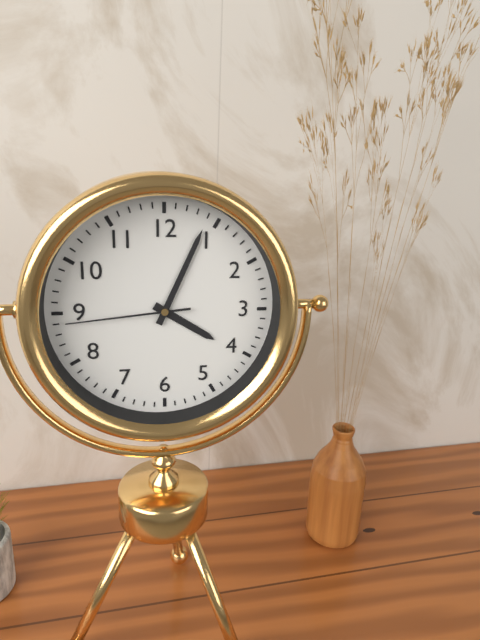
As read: 4:04:44
